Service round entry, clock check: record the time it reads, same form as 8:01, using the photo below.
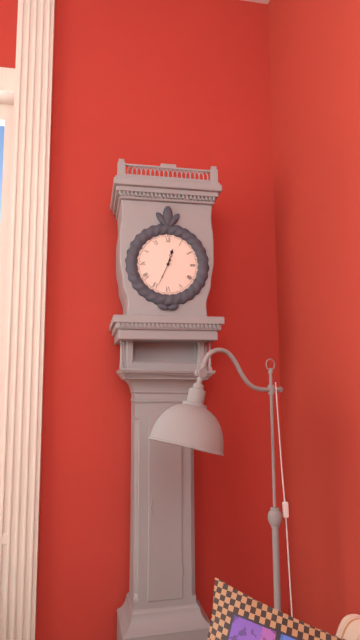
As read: 12:34
